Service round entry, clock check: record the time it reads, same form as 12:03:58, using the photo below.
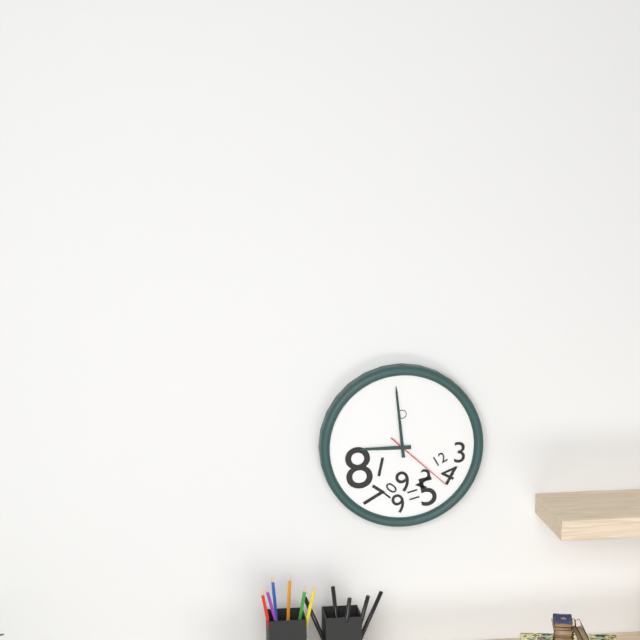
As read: 8:59:22
